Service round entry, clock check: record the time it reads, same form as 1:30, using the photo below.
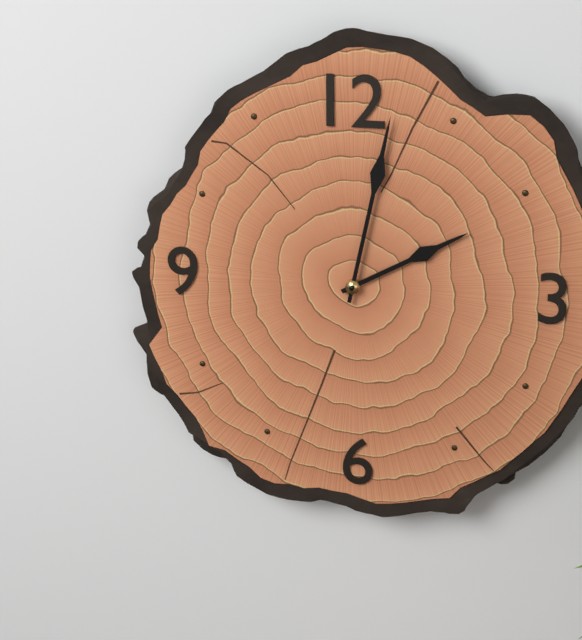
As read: 2:02
